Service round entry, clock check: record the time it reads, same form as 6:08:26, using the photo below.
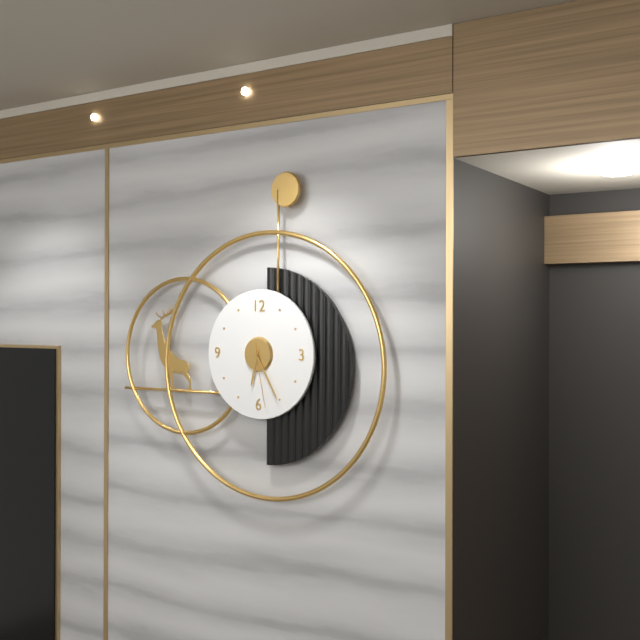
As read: 6:25:28
